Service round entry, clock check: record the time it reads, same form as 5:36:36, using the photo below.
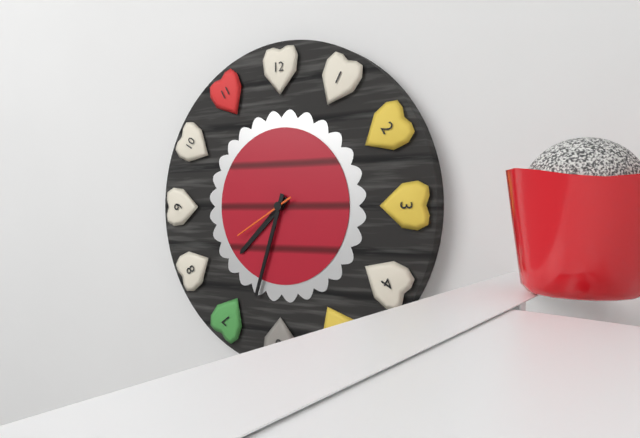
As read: 7:33:40
